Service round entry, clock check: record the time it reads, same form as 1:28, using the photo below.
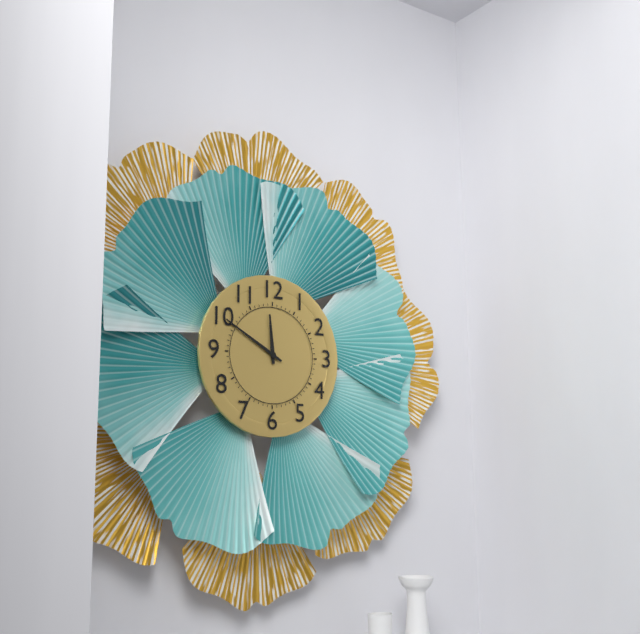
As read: 11:50
